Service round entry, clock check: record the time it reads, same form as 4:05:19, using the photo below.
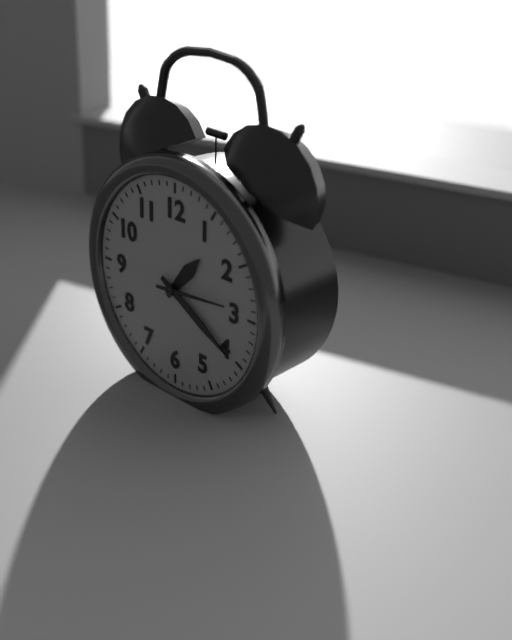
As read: 1:20:14
